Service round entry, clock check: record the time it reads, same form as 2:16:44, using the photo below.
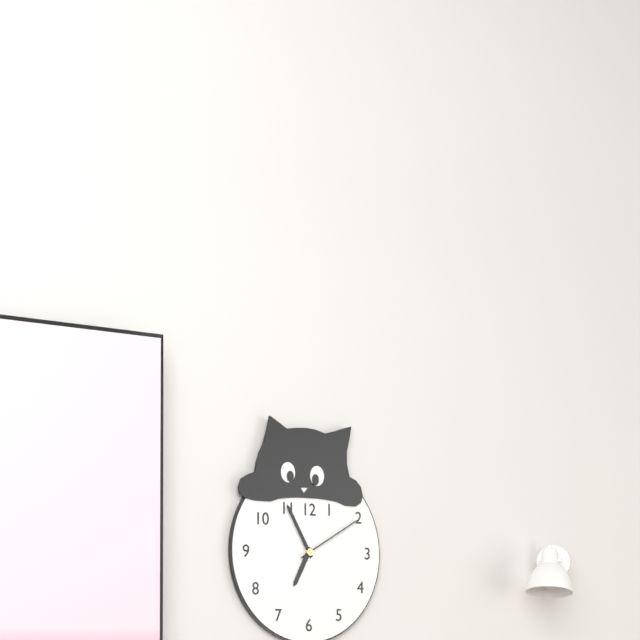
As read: 6:55:10
